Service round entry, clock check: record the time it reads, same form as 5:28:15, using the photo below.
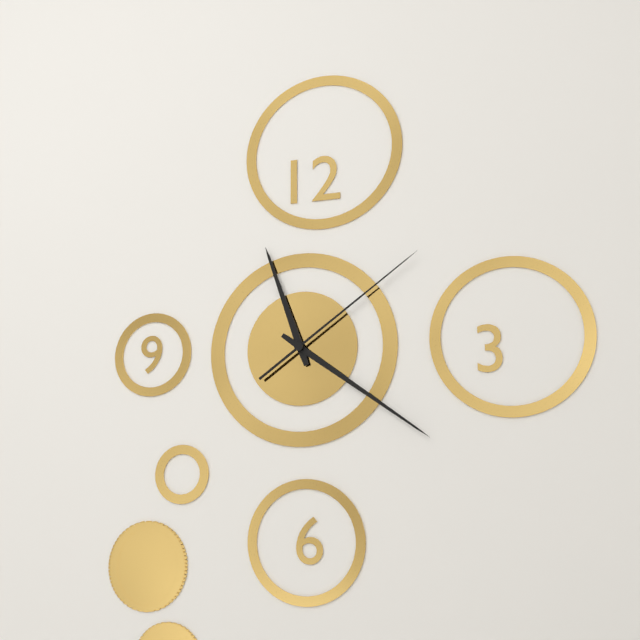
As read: 11:21:09
